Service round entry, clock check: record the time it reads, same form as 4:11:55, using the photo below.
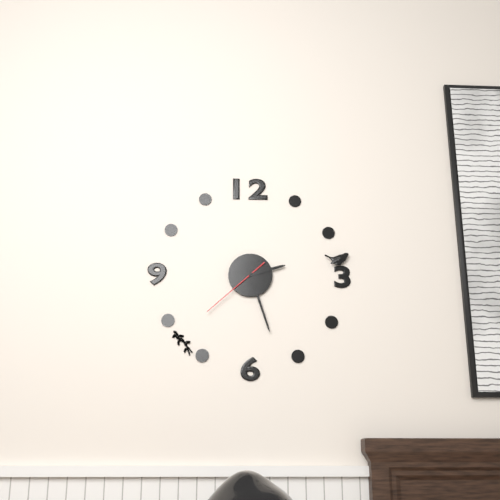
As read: 2:27:38
